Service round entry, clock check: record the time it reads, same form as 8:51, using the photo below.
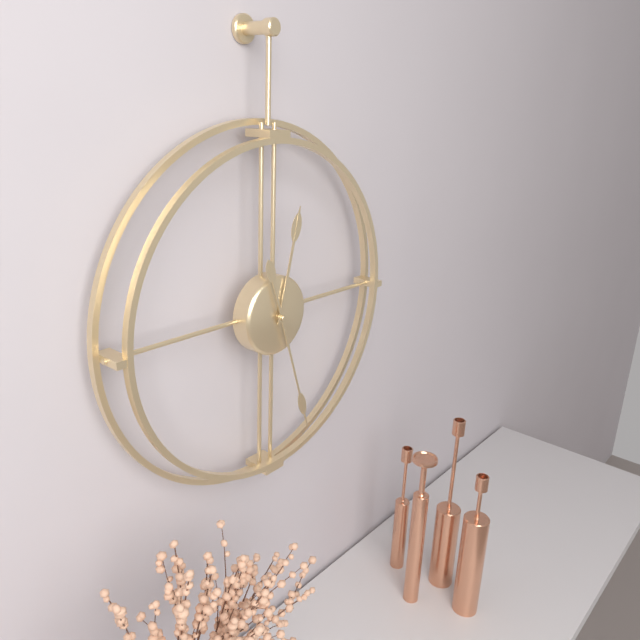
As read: 12:27
